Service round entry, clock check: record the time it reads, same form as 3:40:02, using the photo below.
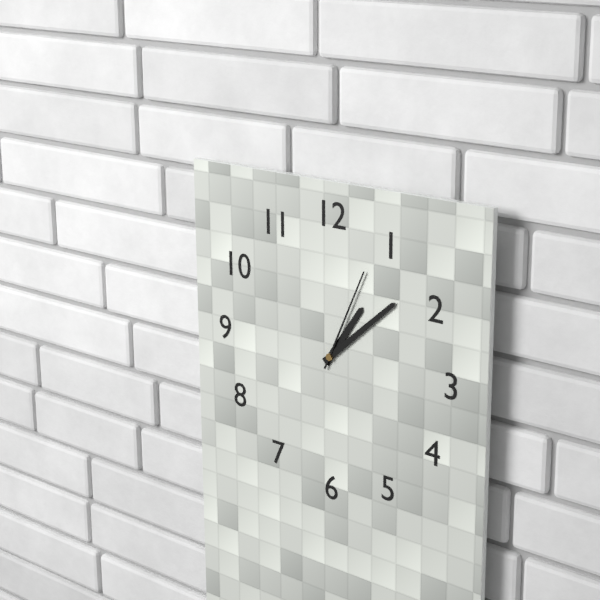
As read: 1:08:04
